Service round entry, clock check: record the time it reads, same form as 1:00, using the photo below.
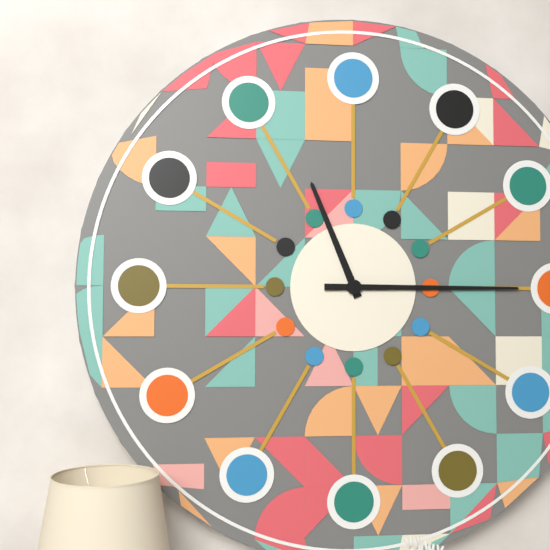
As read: 11:15
